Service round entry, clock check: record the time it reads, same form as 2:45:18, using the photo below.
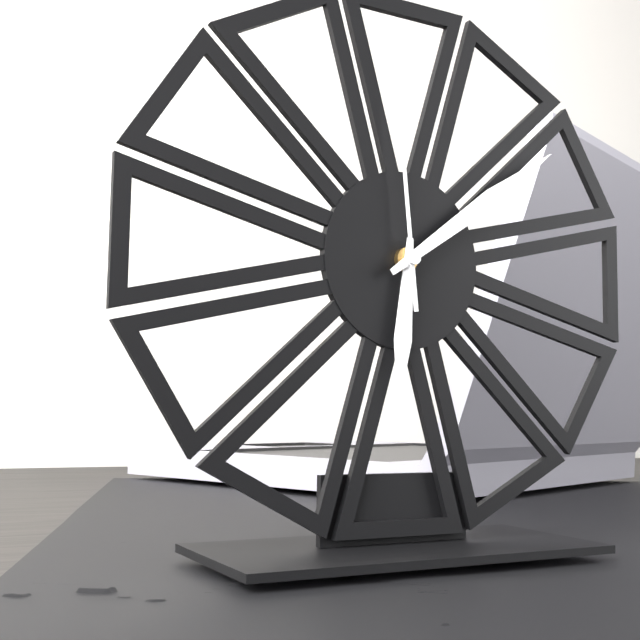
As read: 6:09:59
